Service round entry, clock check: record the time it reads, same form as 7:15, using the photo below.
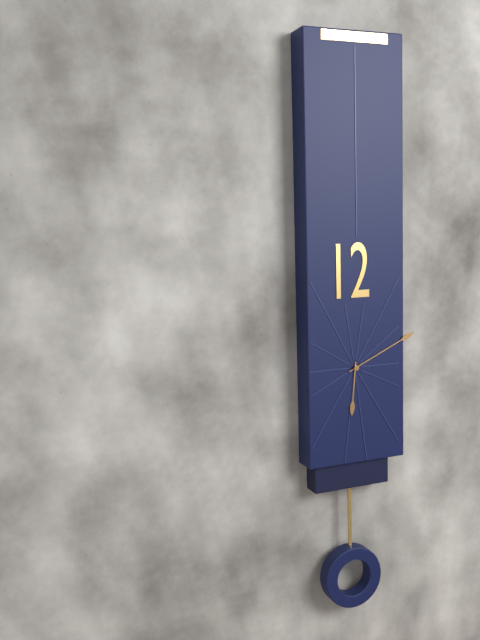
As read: 6:11
